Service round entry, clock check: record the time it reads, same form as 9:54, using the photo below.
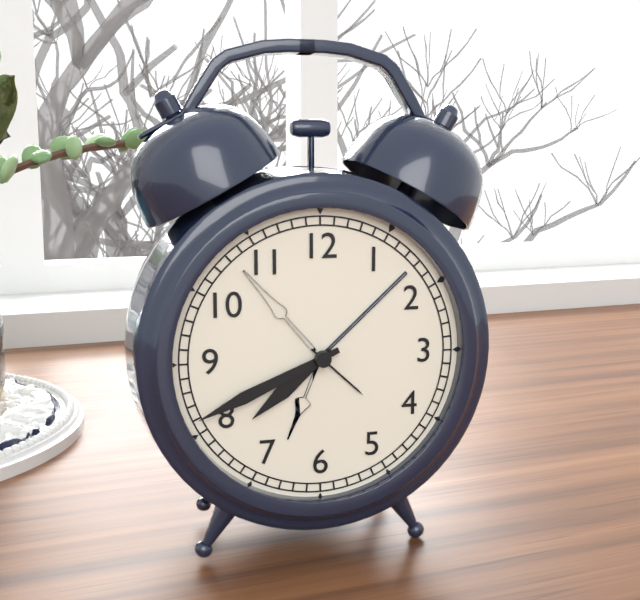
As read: 7:41
